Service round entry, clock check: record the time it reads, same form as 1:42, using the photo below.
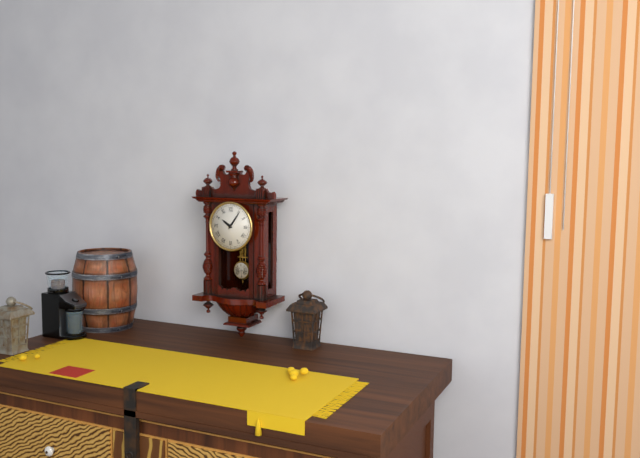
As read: 10:06
